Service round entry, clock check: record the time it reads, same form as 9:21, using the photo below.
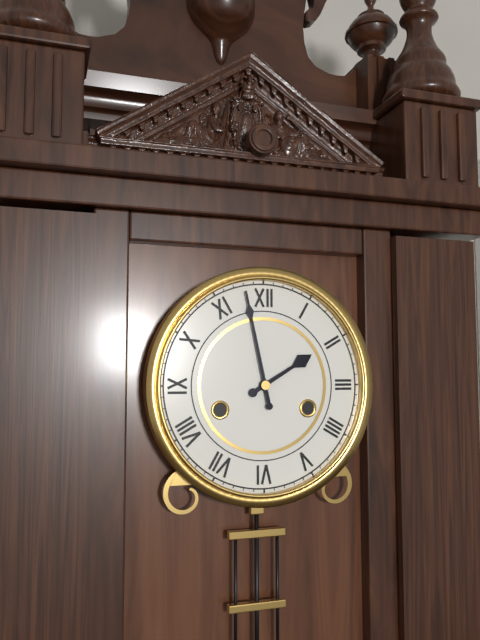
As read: 1:58
